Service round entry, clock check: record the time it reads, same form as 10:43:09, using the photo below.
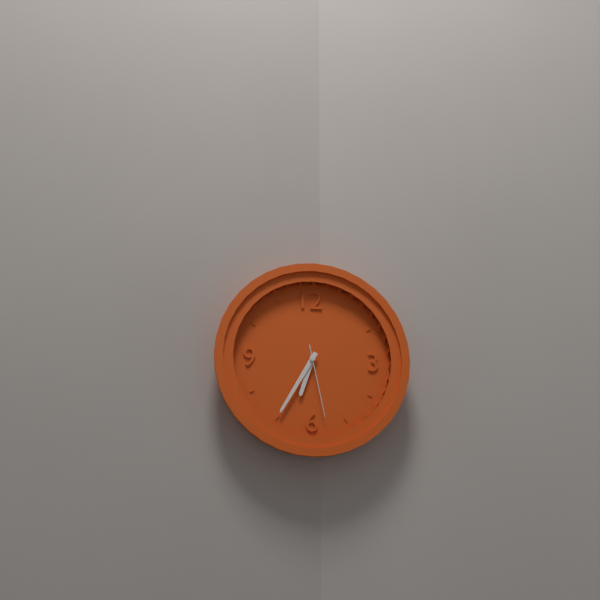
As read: 6:35:28
